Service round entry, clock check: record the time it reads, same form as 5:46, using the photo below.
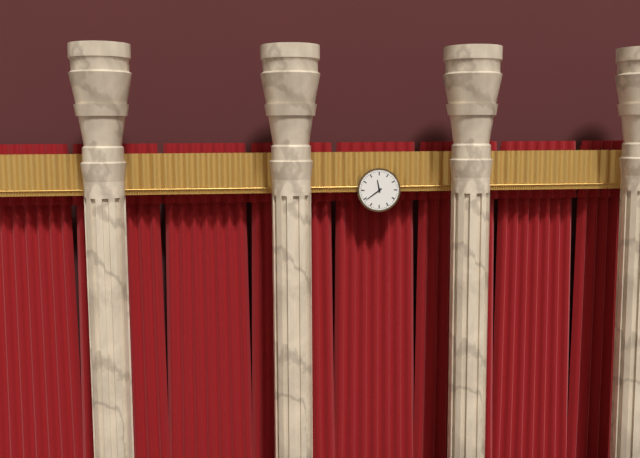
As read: 11:39
